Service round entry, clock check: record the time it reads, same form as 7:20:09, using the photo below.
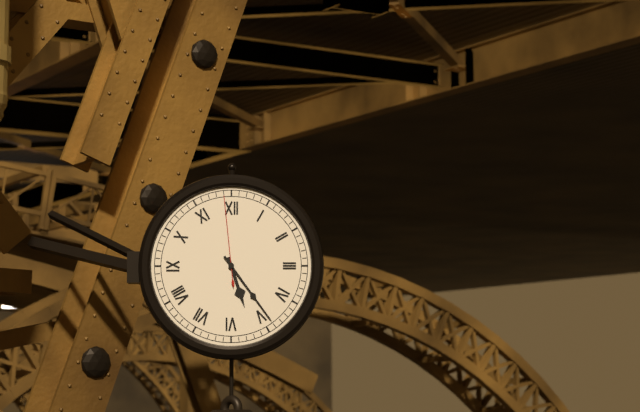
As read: 5:24:59
